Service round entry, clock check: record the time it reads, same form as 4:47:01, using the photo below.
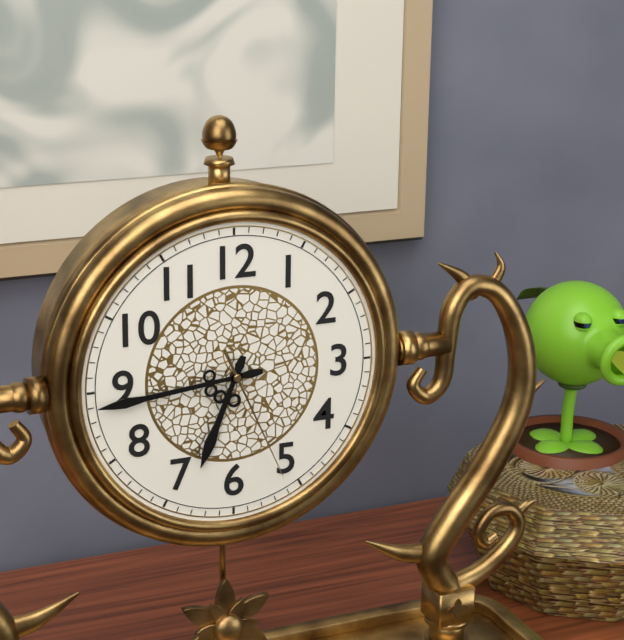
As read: 6:44:26
